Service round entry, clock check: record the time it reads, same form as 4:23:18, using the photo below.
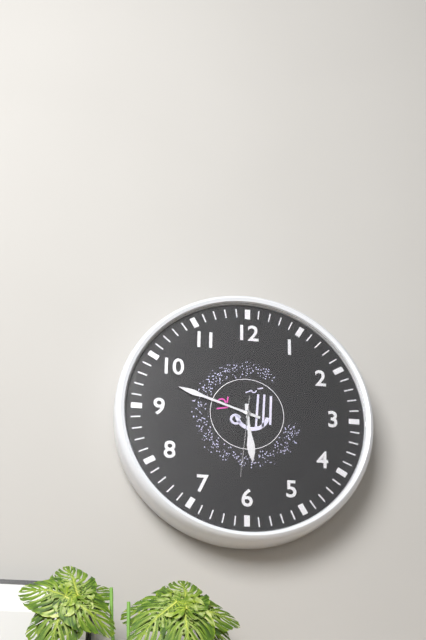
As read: 5:48:31
